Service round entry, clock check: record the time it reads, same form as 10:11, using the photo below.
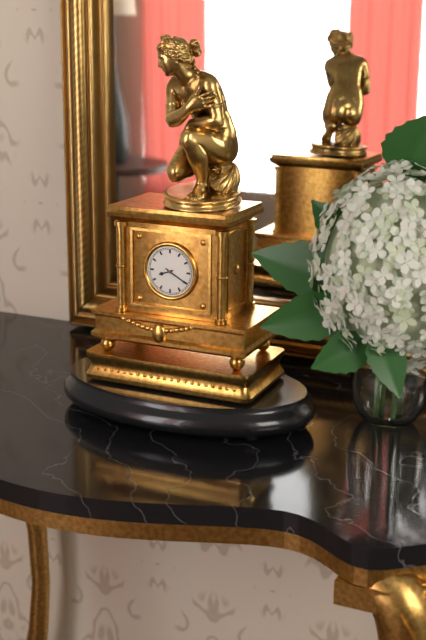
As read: 8:20
